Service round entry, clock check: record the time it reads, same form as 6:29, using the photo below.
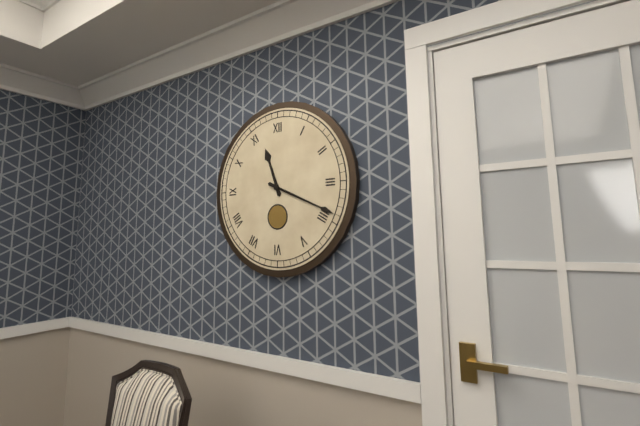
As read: 11:19
